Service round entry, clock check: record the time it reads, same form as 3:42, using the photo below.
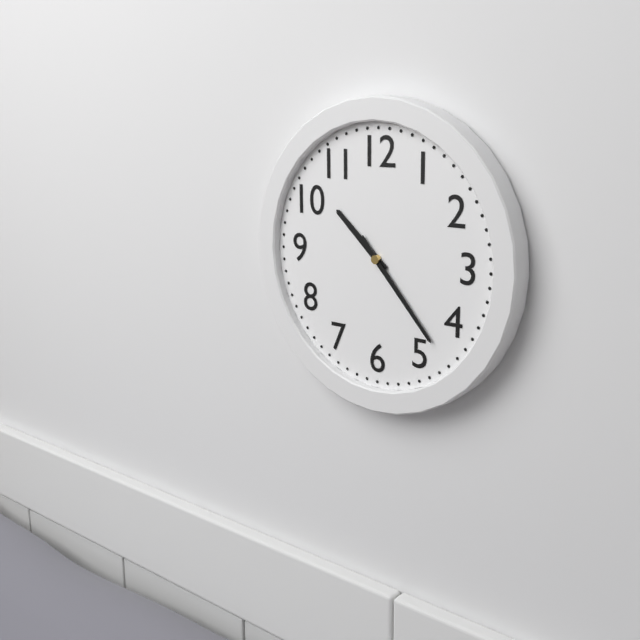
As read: 10:23
